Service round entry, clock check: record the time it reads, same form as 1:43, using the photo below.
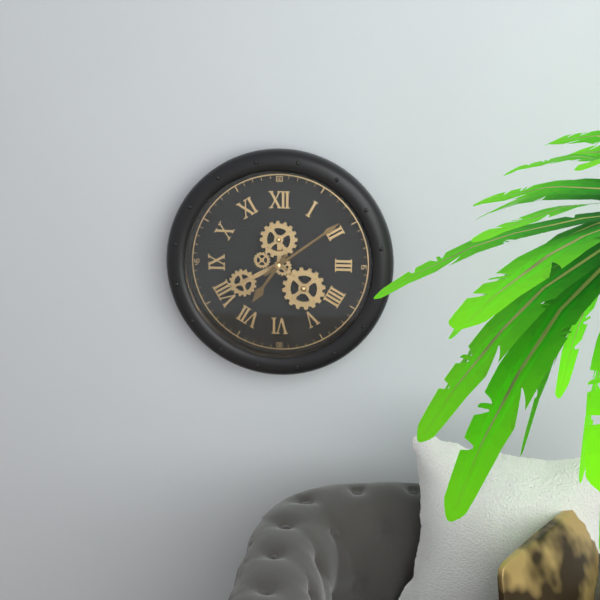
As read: 7:09
